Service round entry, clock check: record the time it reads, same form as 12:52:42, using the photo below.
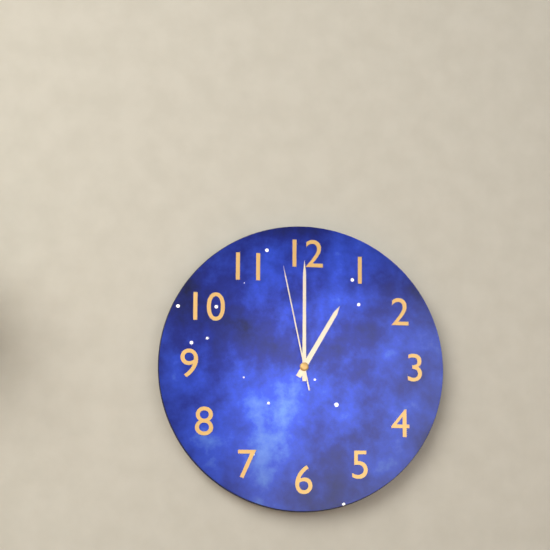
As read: 1:00:58
